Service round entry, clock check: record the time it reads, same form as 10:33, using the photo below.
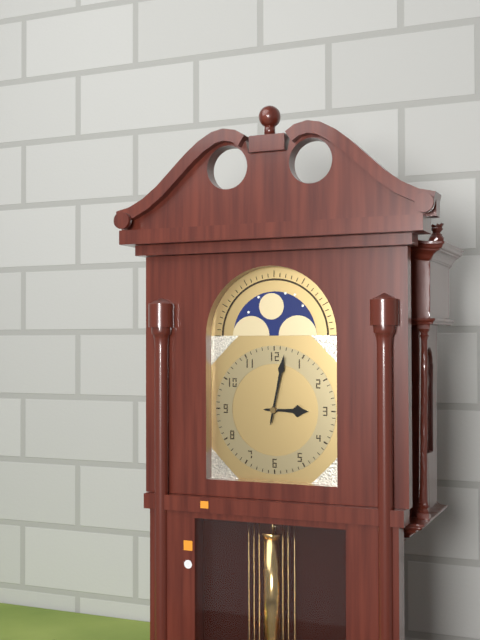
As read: 3:02
